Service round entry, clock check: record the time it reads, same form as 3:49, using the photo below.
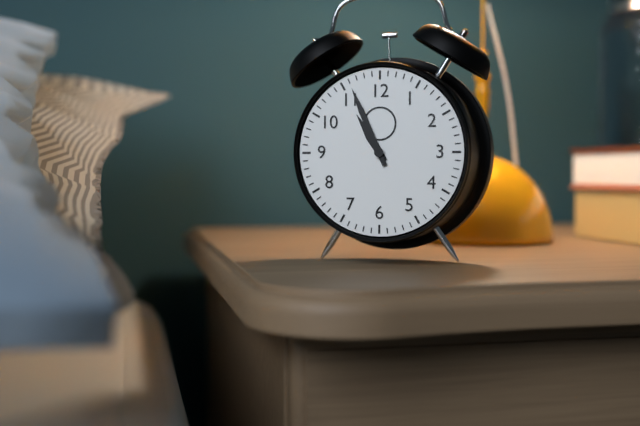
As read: 10:56
